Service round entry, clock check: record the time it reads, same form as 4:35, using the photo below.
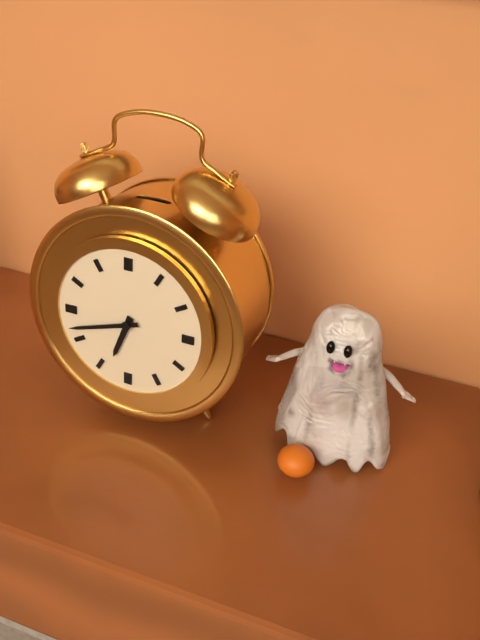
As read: 6:42
